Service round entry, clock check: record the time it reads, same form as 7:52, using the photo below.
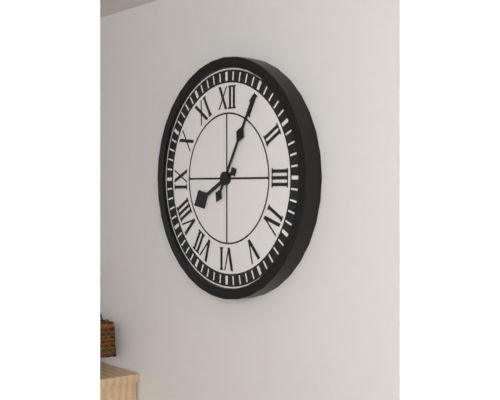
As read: 8:05
